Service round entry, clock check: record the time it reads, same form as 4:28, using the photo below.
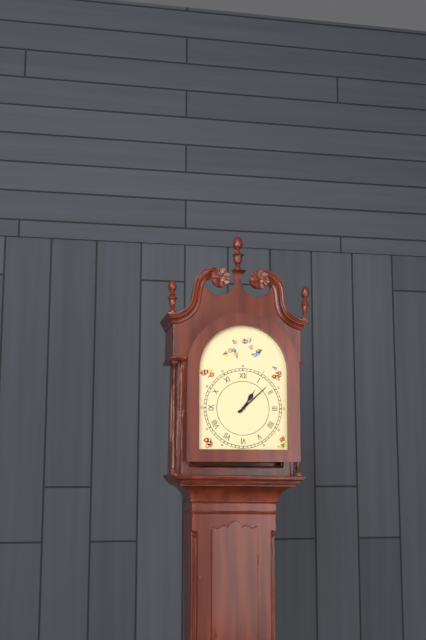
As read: 1:08
